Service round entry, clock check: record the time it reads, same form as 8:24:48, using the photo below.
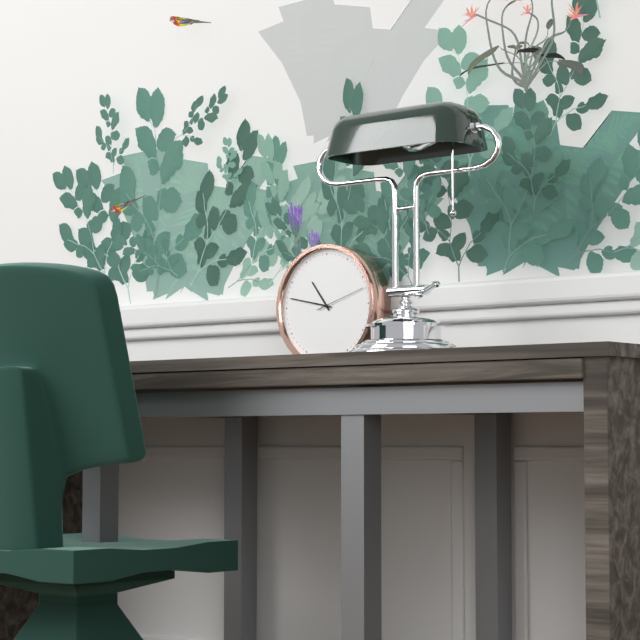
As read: 10:47:12
